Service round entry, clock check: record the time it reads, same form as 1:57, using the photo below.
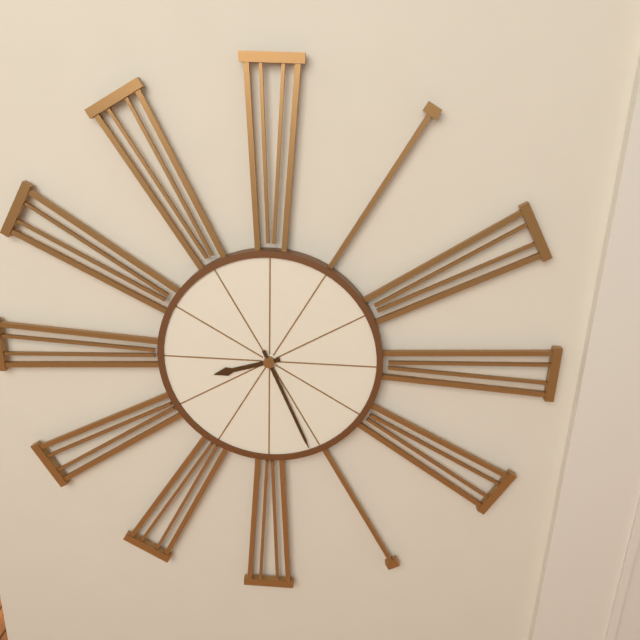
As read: 8:26
